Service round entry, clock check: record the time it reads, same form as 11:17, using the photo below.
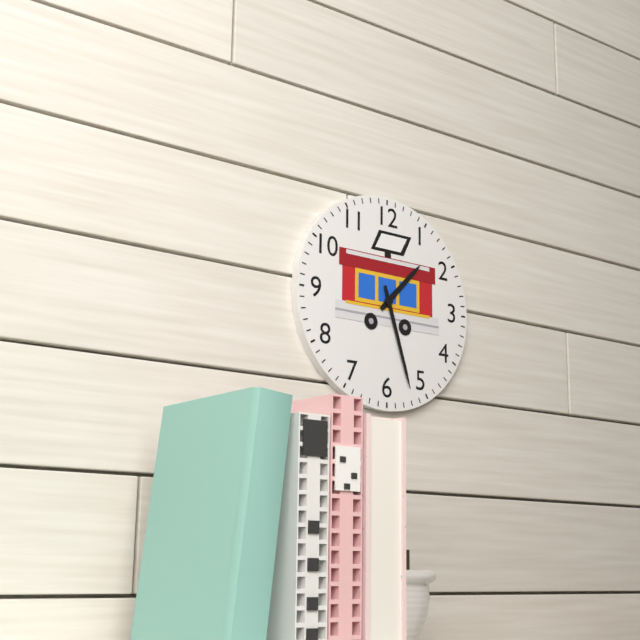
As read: 1:27
